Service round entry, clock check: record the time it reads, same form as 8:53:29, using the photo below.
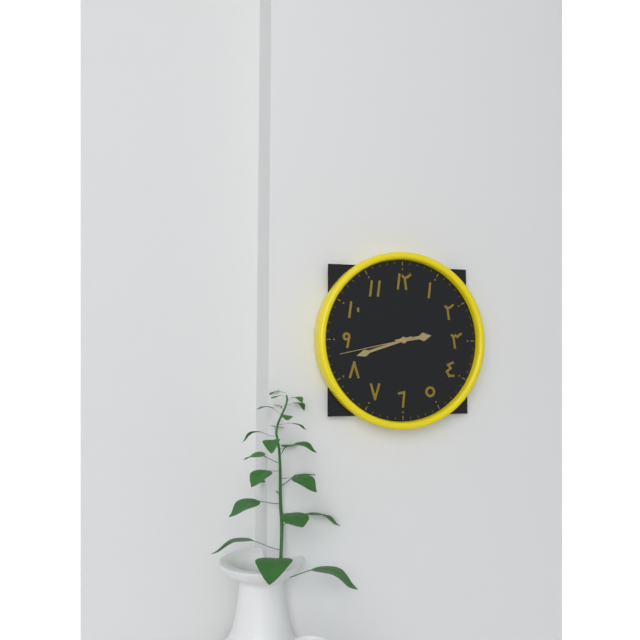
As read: 2:42:43
